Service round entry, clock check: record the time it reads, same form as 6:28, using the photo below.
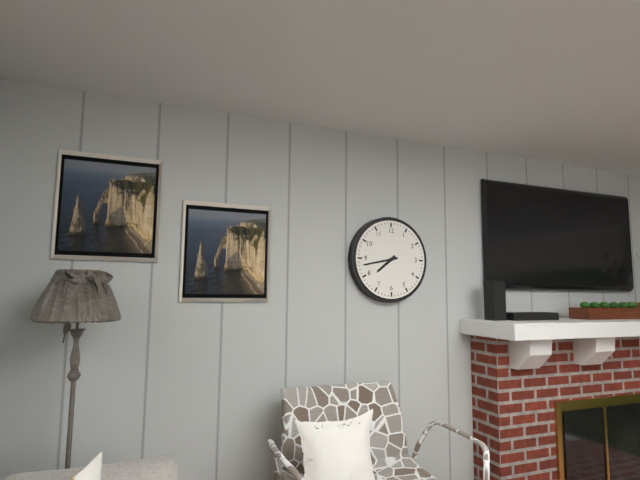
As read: 7:43
